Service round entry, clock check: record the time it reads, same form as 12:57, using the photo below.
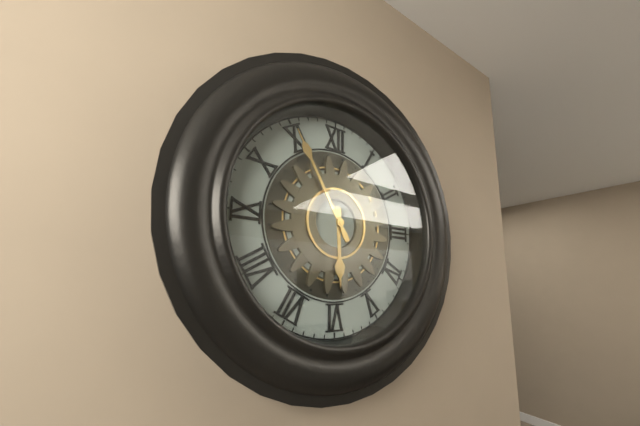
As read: 5:55
